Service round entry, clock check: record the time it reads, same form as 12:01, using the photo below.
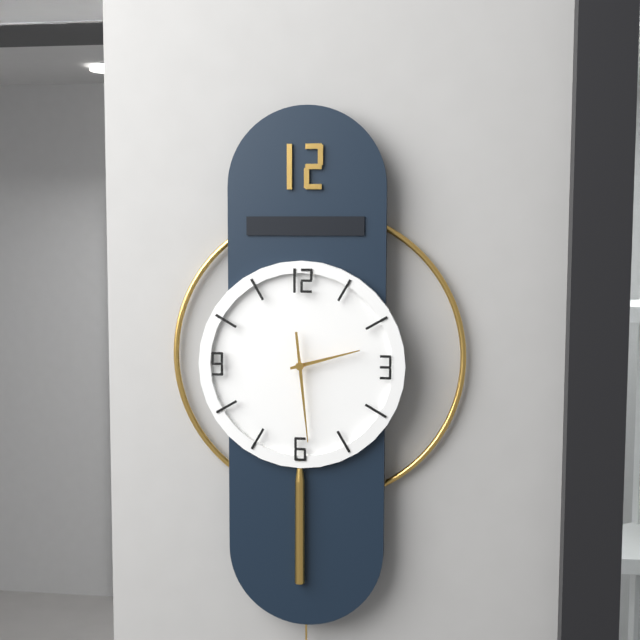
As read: 2:29
